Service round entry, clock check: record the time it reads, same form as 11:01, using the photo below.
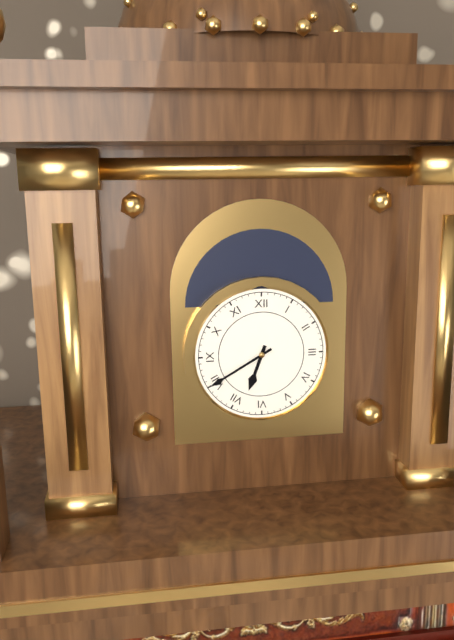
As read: 6:40
